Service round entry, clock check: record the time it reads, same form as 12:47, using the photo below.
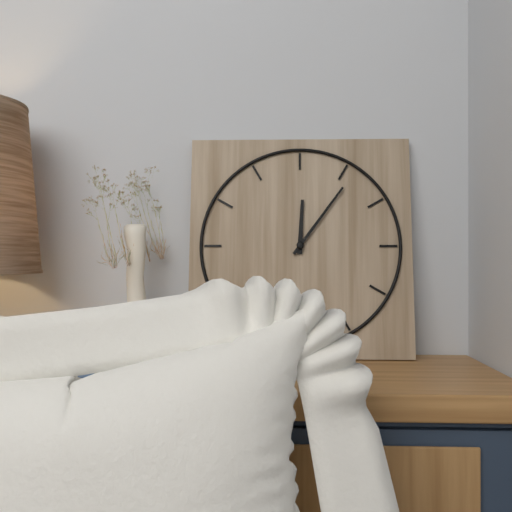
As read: 12:06
